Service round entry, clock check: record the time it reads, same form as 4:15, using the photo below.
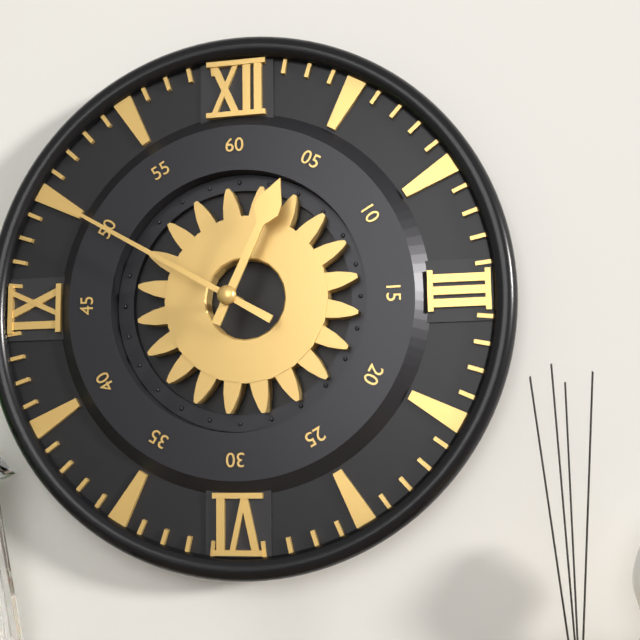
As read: 12:50
